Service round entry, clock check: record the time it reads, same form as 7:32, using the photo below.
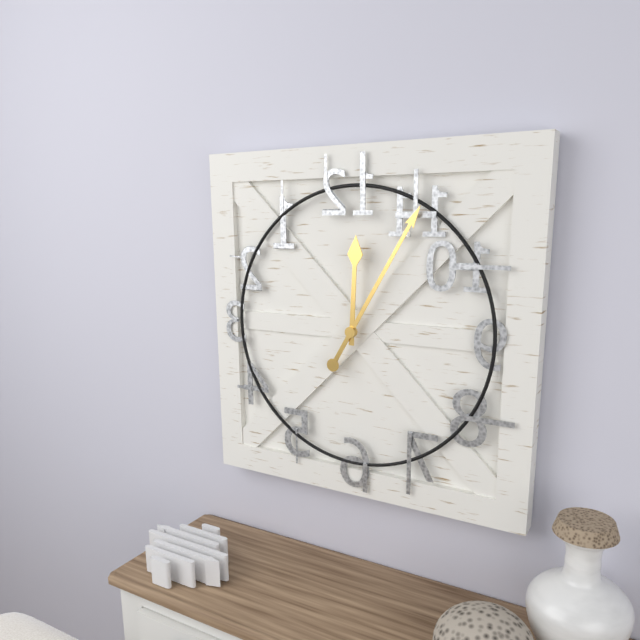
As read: 12:05
